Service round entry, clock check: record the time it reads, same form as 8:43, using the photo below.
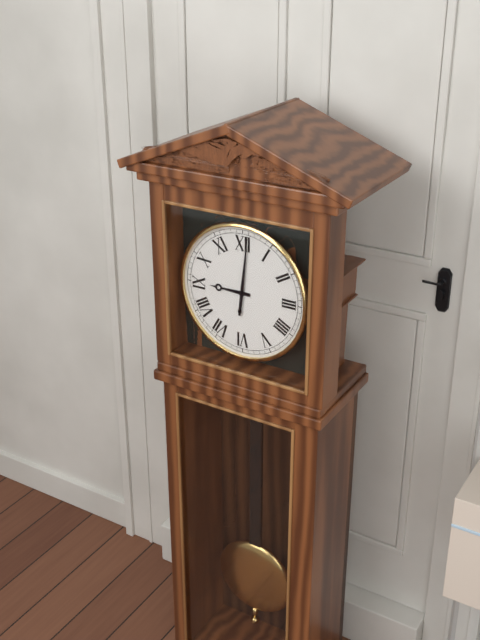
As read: 9:01
